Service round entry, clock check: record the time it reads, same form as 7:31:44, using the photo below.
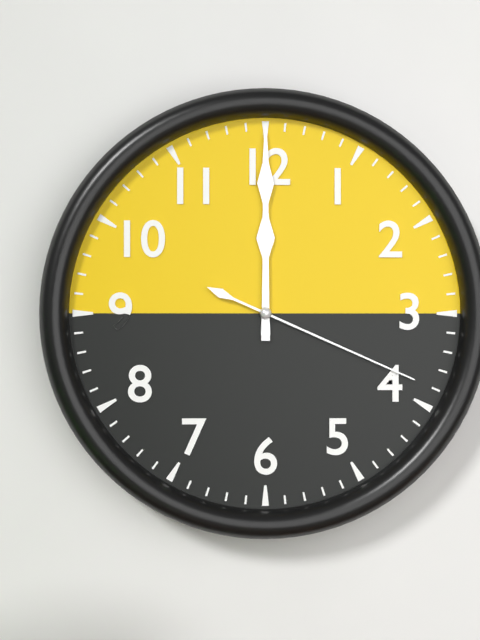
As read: 12:00:19
